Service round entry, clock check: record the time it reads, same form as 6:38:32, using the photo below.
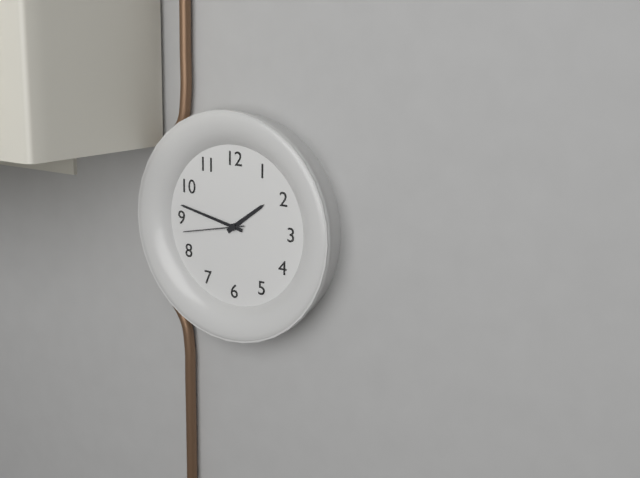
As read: 1:47:43
